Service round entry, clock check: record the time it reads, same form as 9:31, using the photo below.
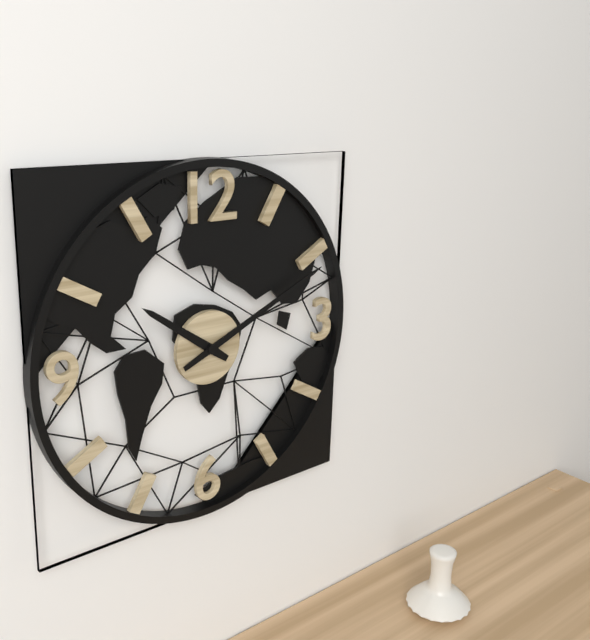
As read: 10:11
